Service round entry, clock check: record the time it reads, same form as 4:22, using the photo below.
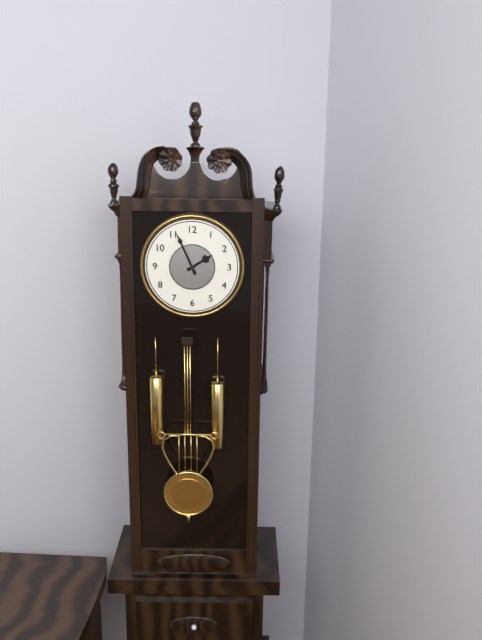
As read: 1:56
